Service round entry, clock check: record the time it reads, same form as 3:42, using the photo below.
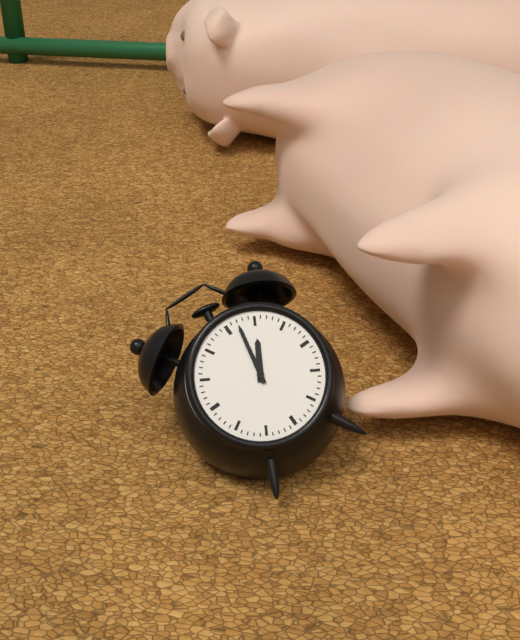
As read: 1:02
